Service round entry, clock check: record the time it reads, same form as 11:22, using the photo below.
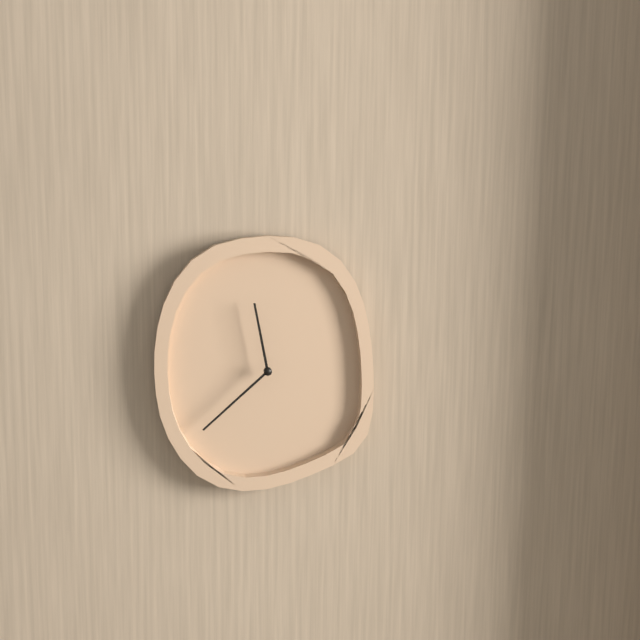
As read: 11:38
